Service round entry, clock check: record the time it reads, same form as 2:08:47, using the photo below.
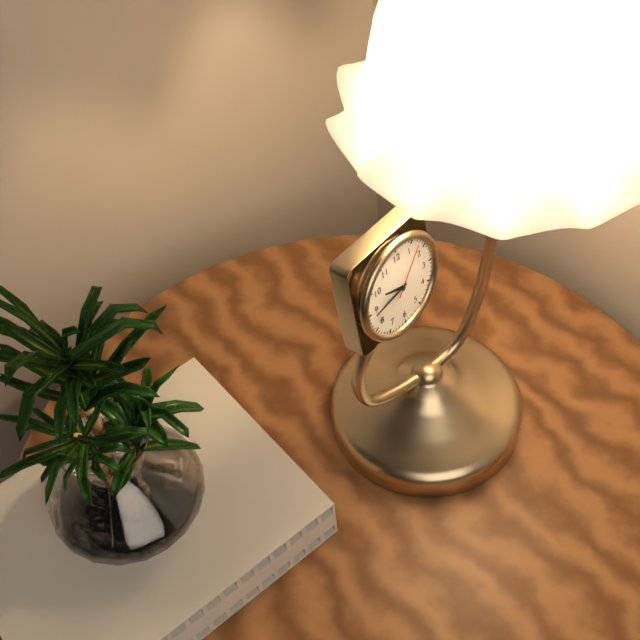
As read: 9:44:07
